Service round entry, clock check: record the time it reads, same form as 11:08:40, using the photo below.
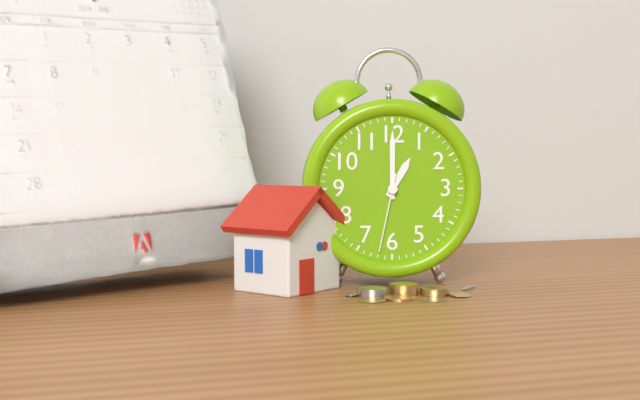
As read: 1:00:32
